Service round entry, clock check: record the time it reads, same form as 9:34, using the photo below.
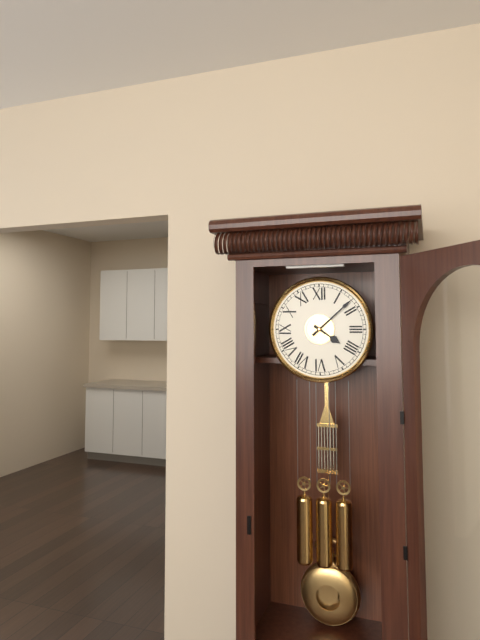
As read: 4:08
